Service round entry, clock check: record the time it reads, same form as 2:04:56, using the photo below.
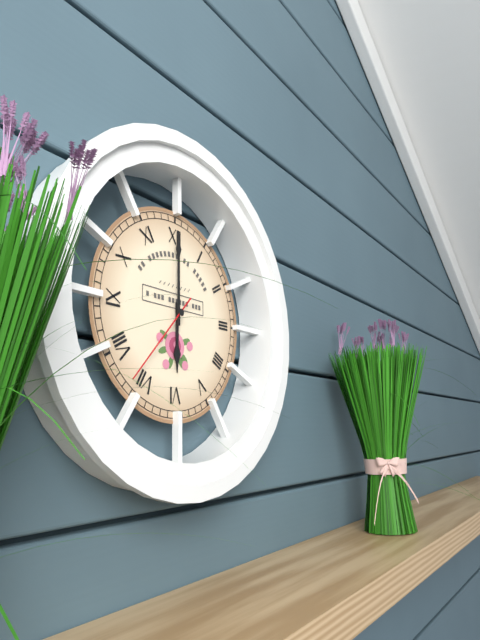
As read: 6:00:37
